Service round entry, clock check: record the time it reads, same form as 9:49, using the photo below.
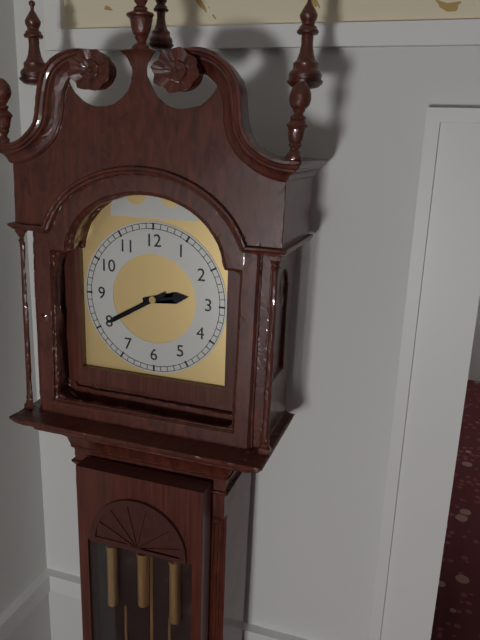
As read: 2:40
